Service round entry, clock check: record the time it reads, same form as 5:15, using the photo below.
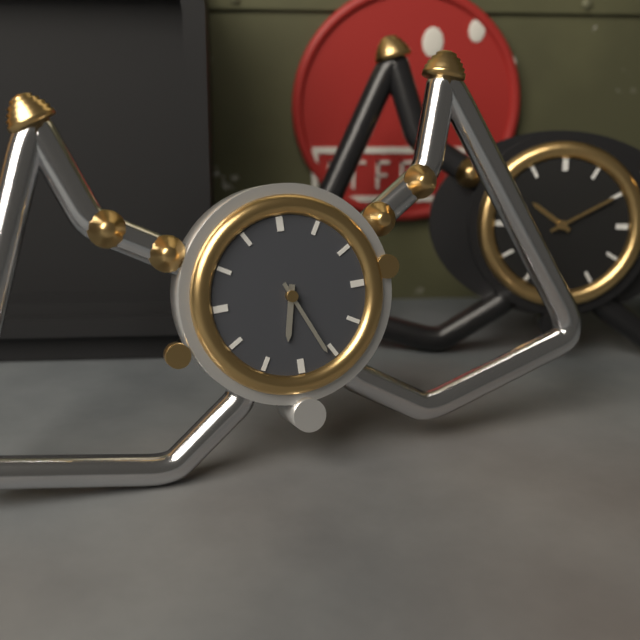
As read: 6:26
